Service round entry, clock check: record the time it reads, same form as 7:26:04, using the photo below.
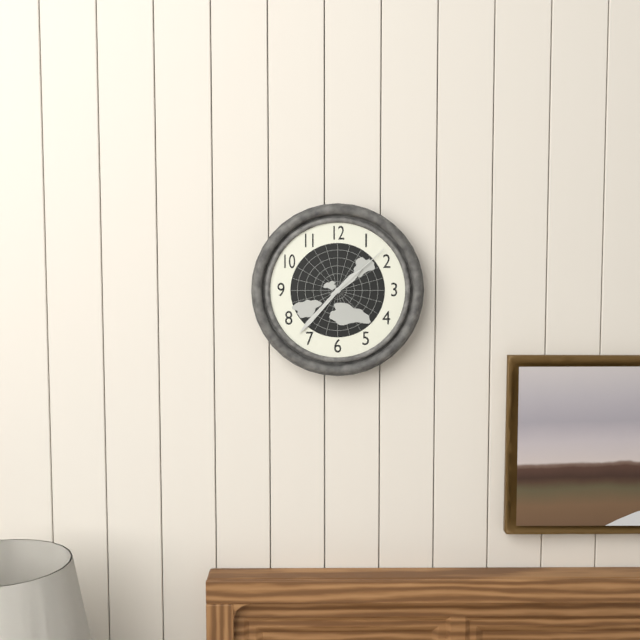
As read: 1:37:08
